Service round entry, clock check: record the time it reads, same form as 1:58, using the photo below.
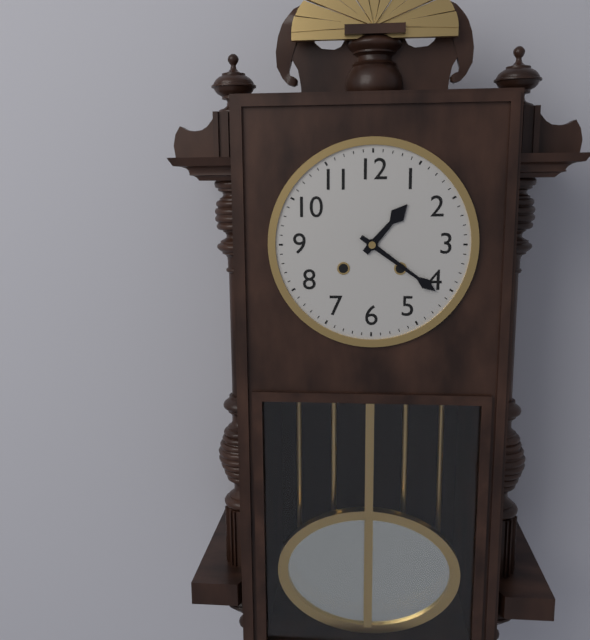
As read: 1:21
